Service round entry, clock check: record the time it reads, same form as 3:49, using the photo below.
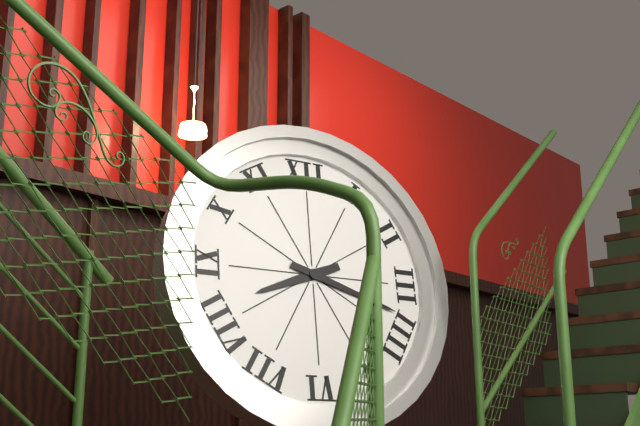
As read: 8:18
